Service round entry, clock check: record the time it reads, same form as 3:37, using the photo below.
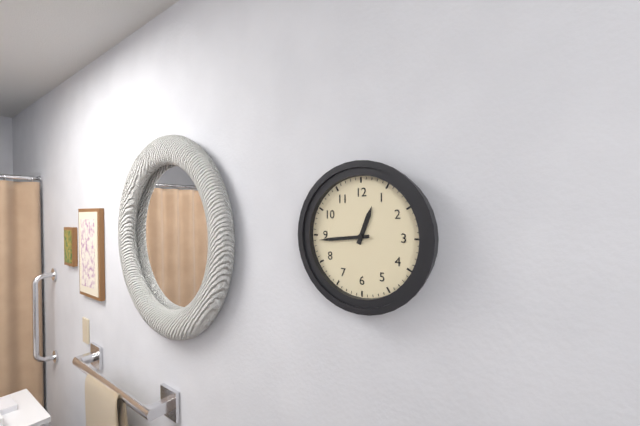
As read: 12:44
